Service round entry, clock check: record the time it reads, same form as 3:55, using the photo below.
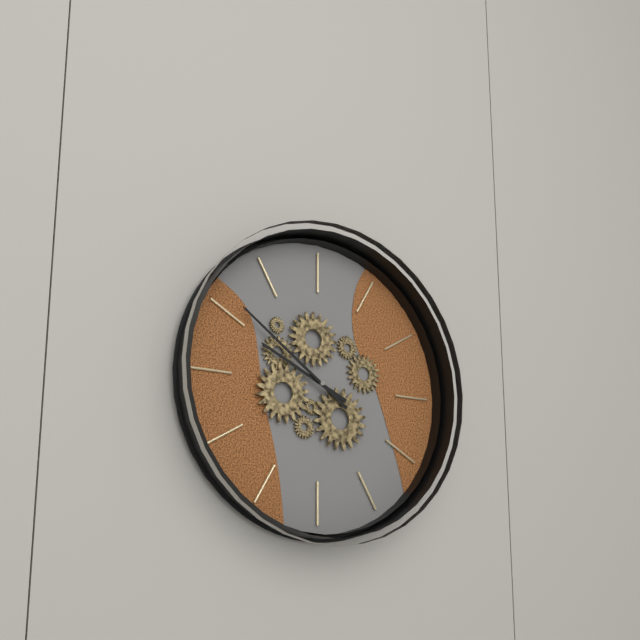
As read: 9:51
